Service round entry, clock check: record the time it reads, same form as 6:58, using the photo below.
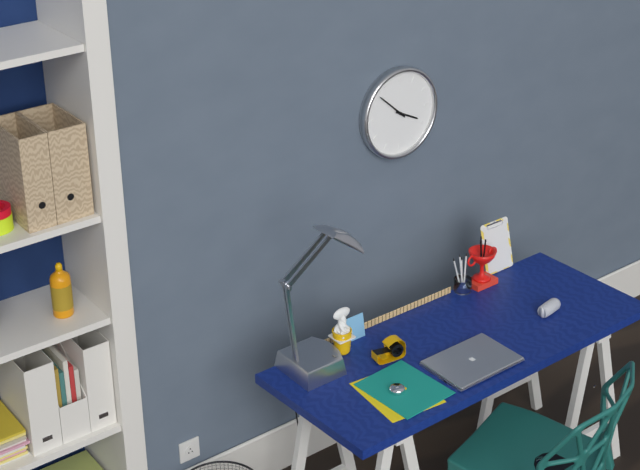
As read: 3:52
